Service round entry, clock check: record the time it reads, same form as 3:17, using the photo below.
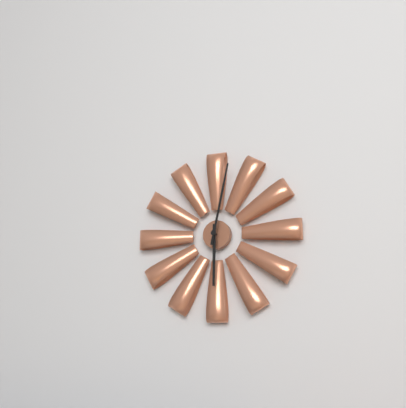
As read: 6:02
